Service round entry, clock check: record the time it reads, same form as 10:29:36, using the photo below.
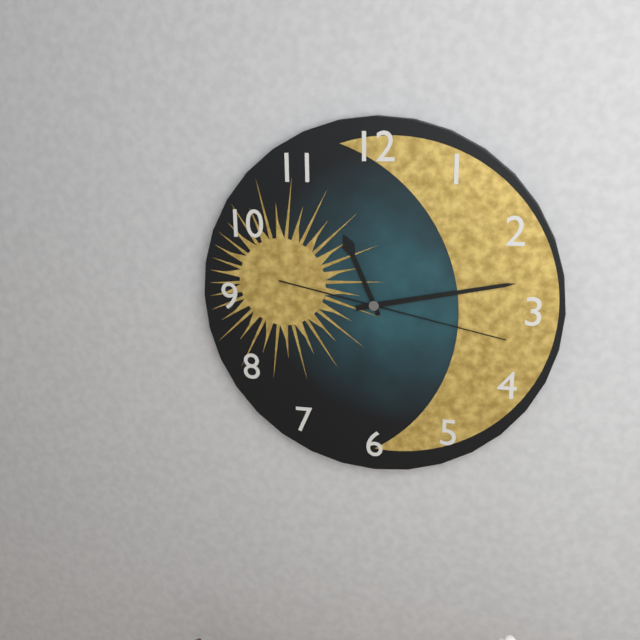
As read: 11:13:17
